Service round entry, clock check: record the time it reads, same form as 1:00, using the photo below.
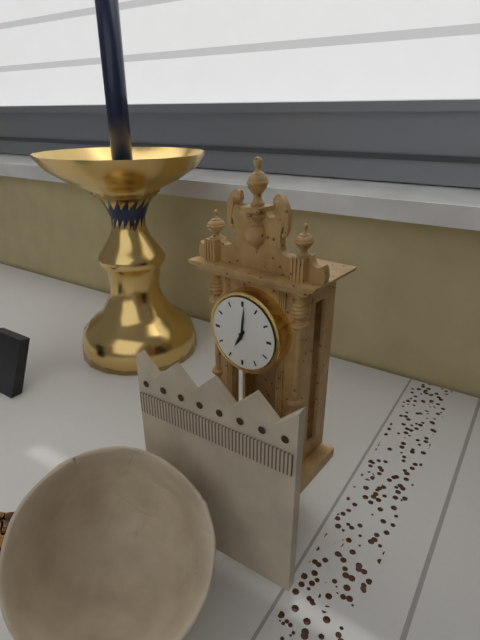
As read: 7:01
